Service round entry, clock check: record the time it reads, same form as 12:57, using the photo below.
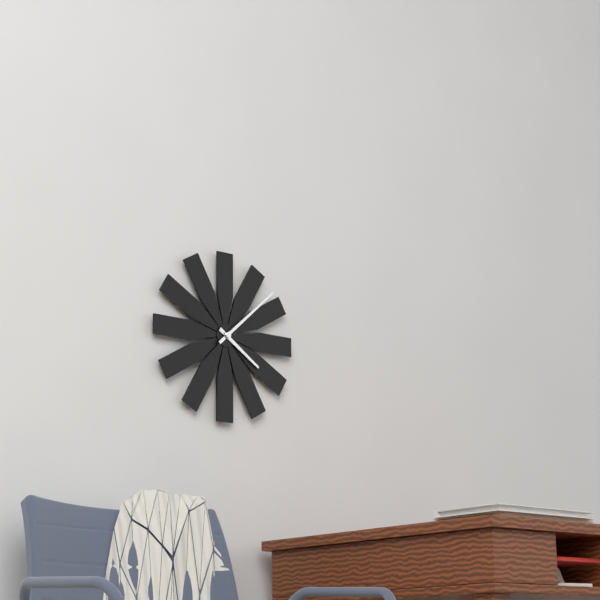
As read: 4:08
